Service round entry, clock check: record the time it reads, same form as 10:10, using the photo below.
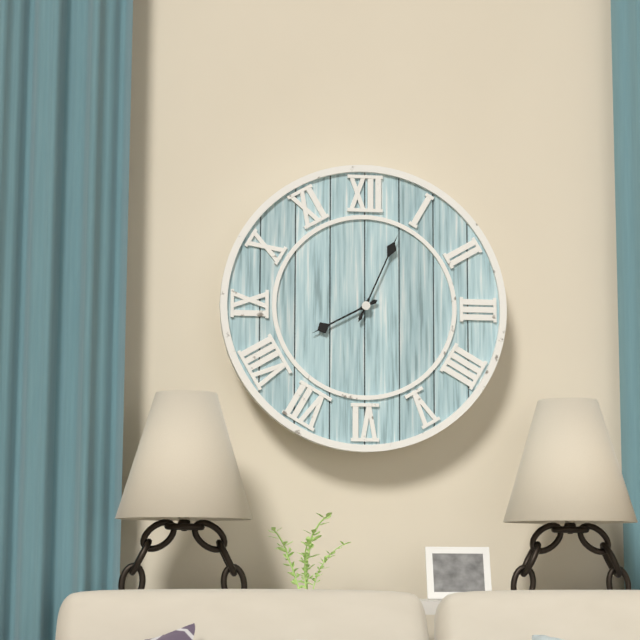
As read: 8:04
